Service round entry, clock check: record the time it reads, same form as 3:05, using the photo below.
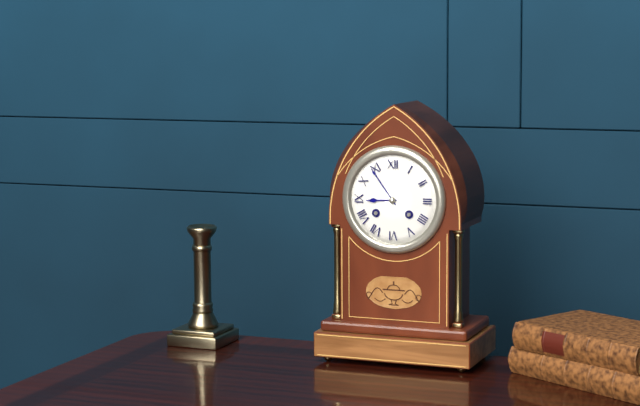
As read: 8:54
